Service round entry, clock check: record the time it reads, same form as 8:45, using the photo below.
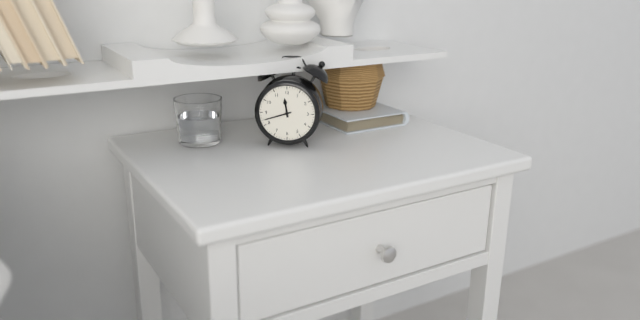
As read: 11:42
